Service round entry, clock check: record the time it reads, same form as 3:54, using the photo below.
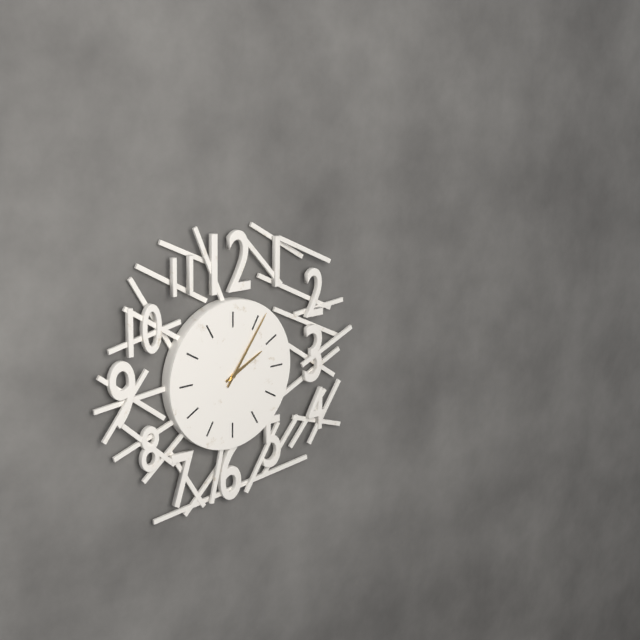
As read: 2:06
